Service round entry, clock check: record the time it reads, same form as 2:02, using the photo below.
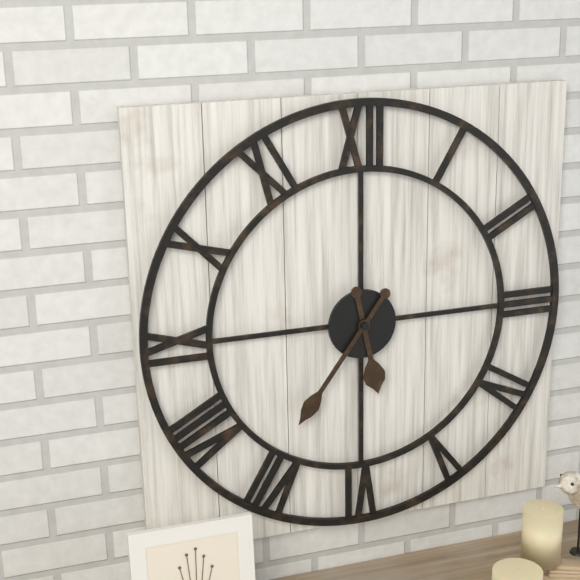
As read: 5:36
